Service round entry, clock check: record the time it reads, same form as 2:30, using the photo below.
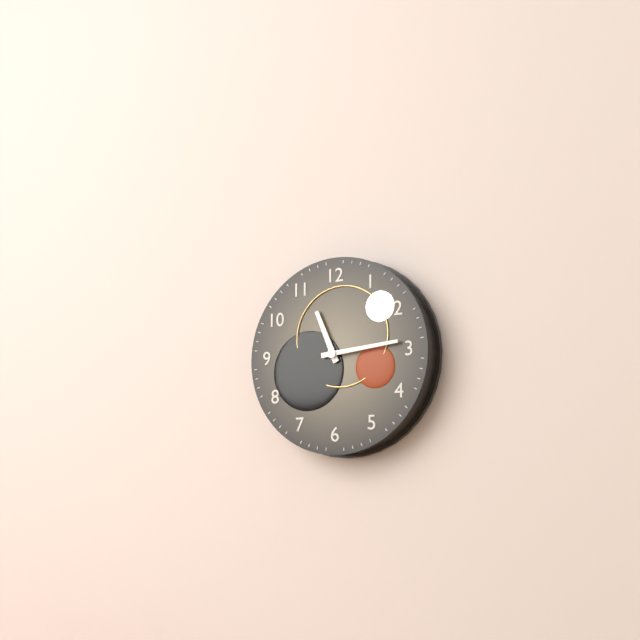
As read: 11:14
